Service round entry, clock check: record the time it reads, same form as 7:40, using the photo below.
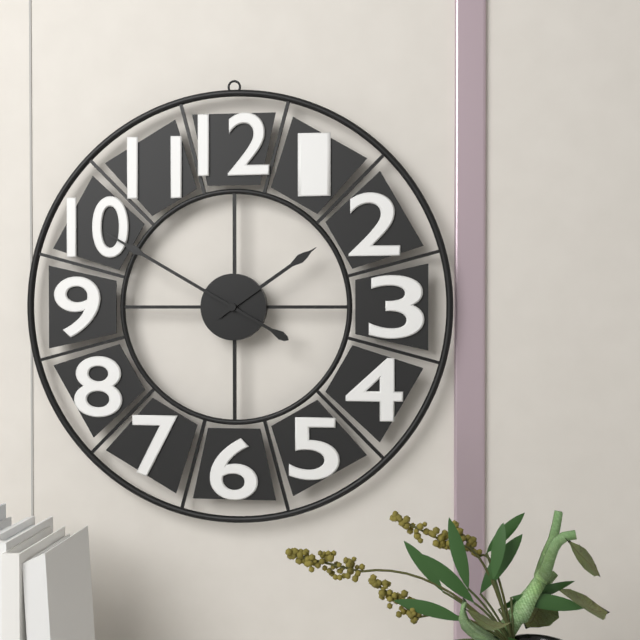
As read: 1:50
